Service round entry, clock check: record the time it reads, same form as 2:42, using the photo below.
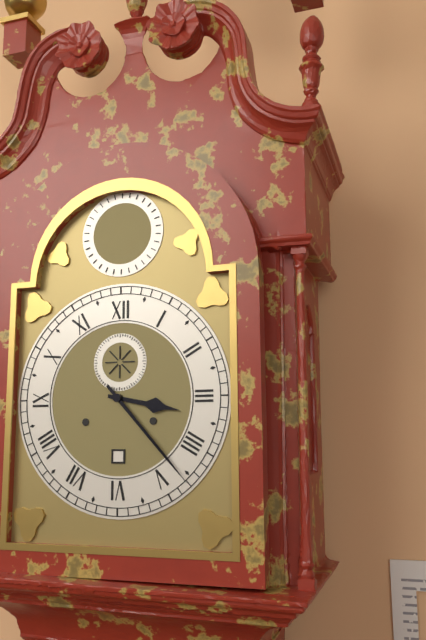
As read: 3:23
